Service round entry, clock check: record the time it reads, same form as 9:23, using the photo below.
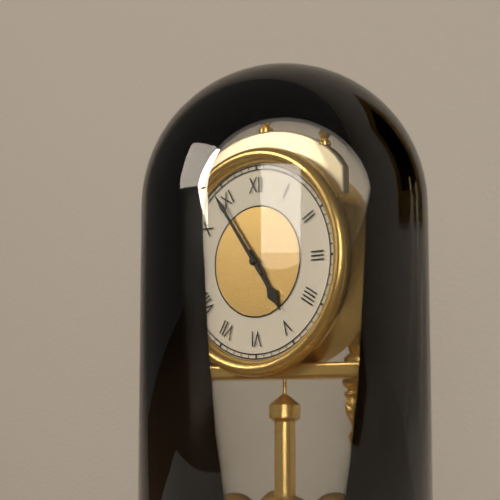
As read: 4:54
